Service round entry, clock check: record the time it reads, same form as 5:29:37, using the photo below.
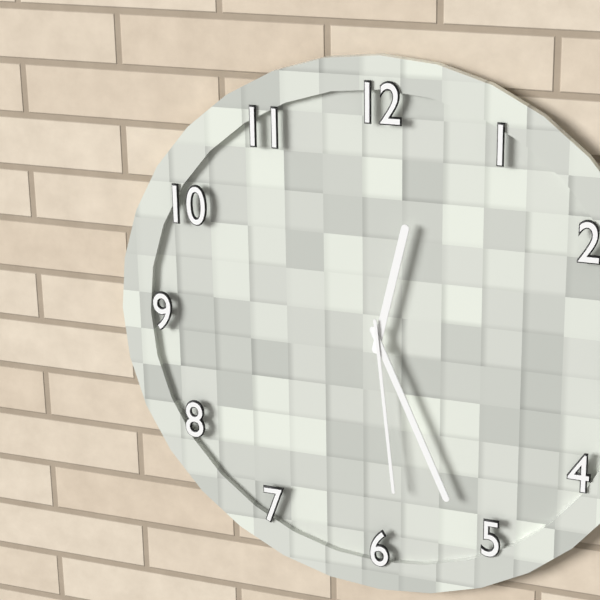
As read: 12:26:29
